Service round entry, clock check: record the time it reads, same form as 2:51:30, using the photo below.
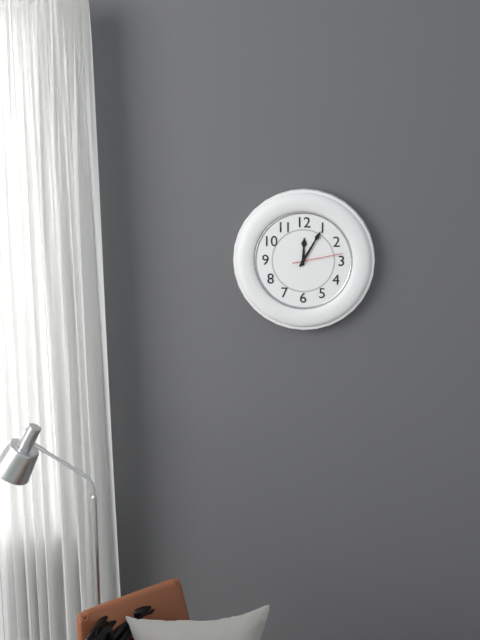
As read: 12:05:13
